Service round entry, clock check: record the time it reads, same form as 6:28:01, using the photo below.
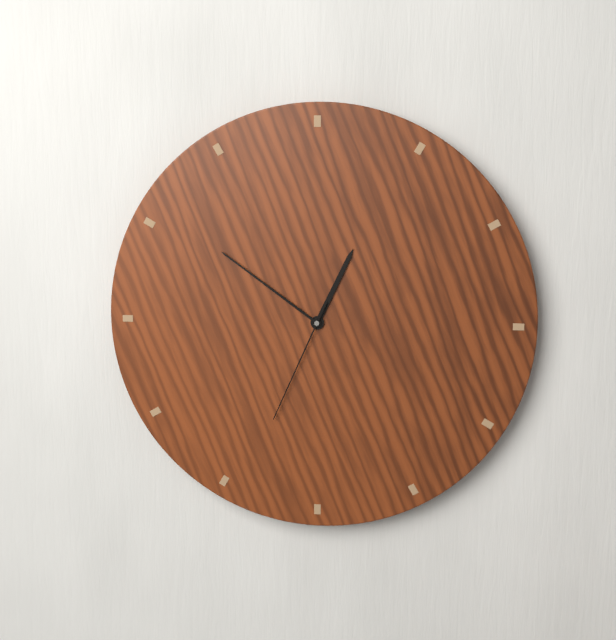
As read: 12:51:34
